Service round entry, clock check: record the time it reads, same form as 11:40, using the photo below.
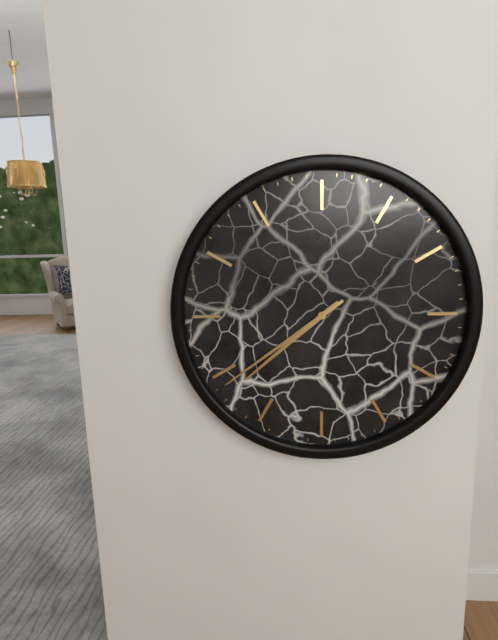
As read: 7:39
